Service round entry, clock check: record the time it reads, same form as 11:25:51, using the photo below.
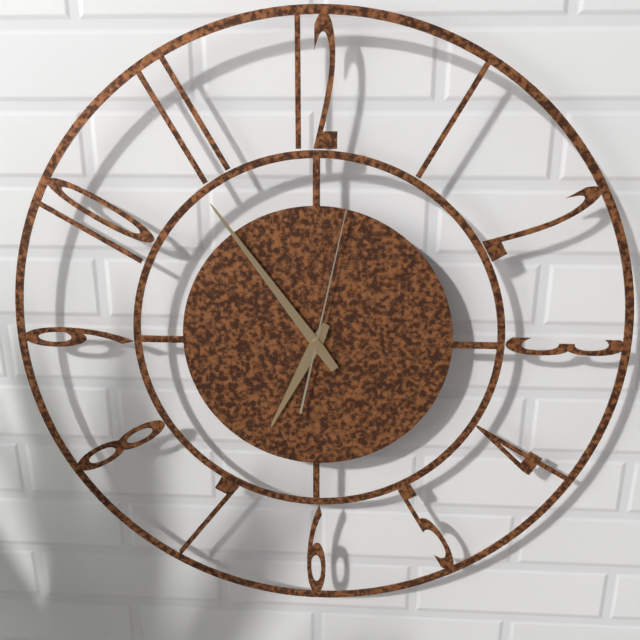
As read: 6:54:02
